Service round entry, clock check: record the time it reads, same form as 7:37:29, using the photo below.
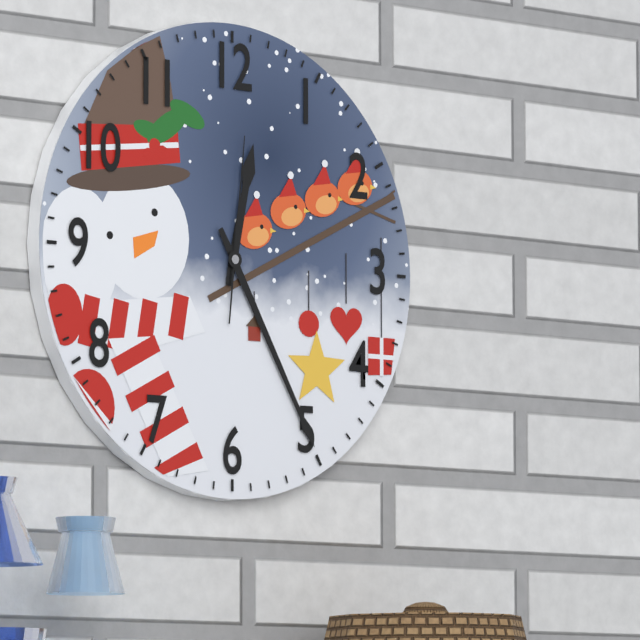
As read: 12:25:01
